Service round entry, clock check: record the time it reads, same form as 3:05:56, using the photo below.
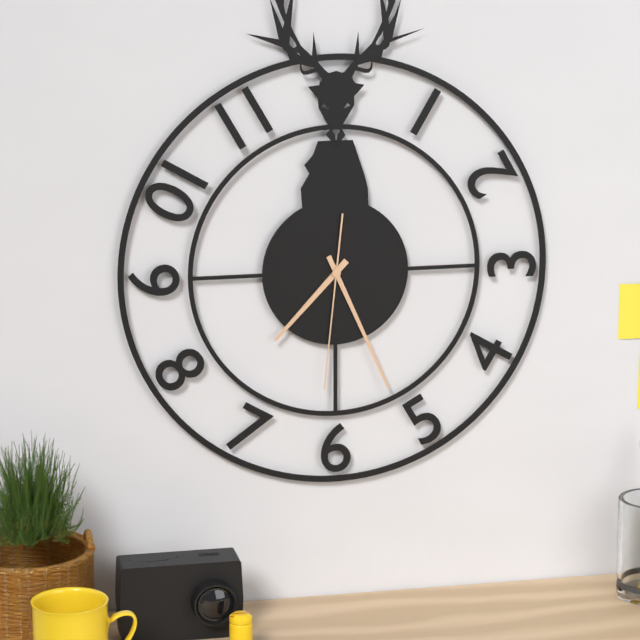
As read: 7:26:31
